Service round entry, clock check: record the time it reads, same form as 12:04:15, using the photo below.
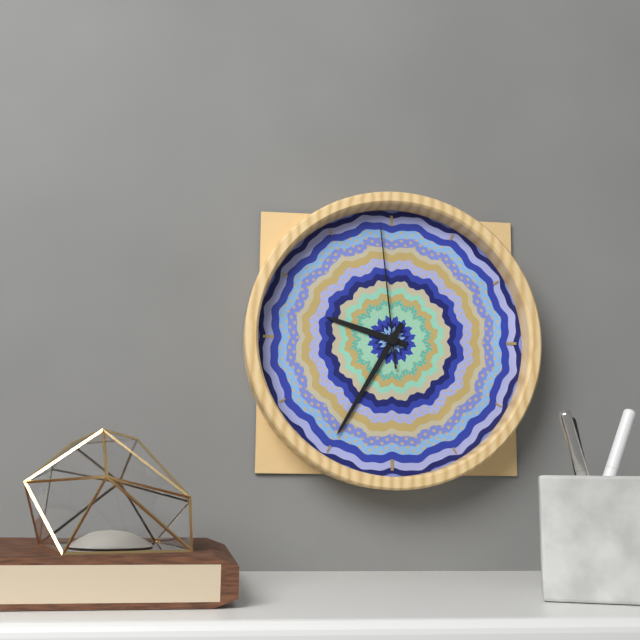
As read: 9:35:59
